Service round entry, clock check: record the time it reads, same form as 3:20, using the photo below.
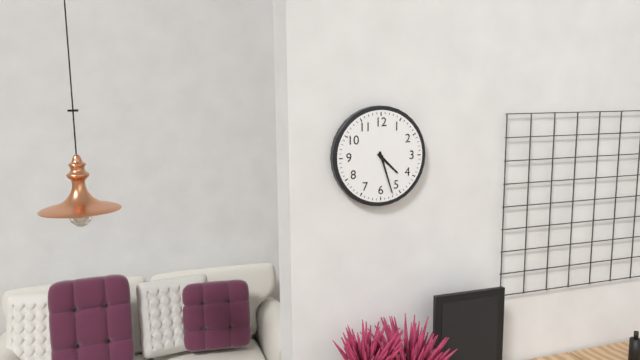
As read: 4:27
